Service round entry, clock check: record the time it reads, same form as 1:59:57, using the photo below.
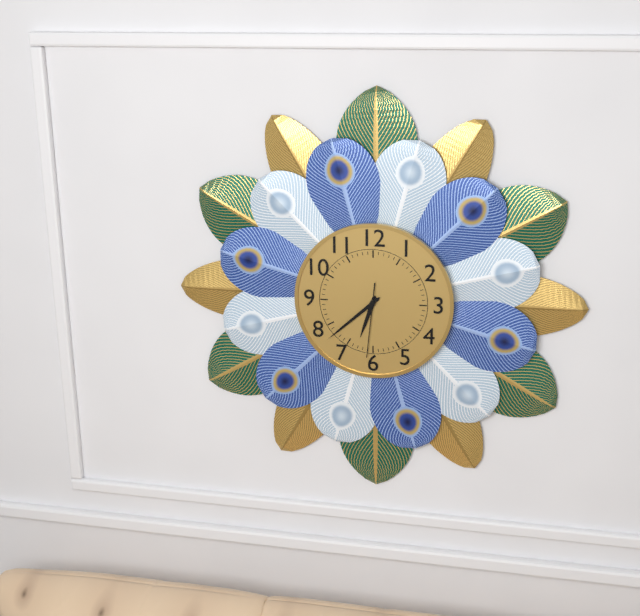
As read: 6:38:31
